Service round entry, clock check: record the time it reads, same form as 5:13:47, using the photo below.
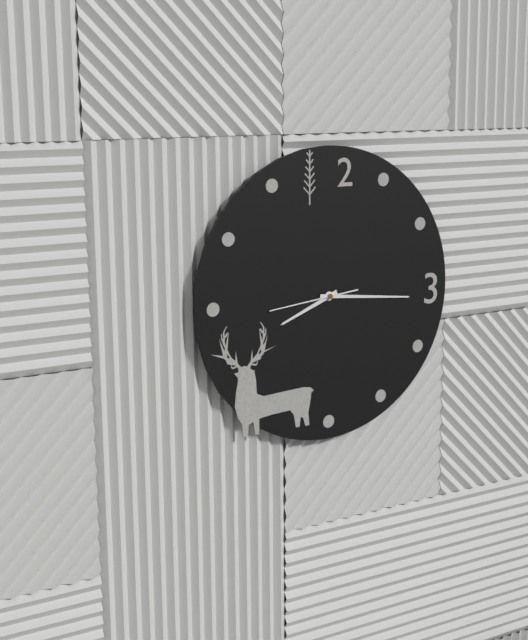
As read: 8:16:44
